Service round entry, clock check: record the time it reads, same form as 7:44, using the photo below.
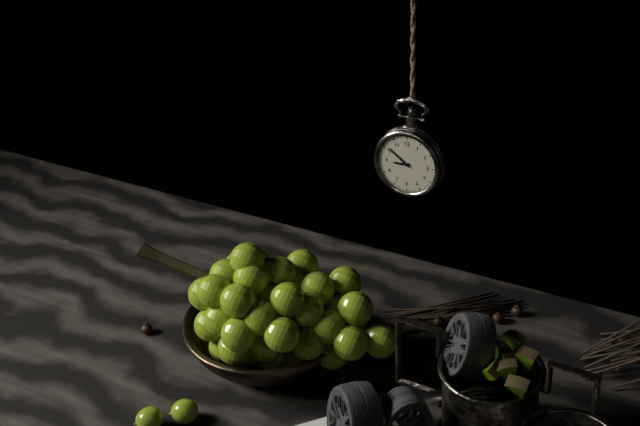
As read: 8:51
